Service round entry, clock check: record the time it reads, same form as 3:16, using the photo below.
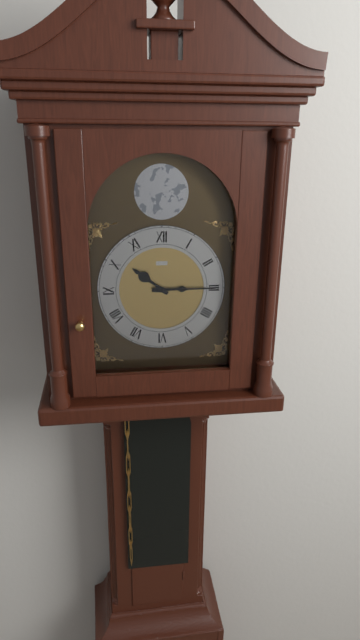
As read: 10:15
